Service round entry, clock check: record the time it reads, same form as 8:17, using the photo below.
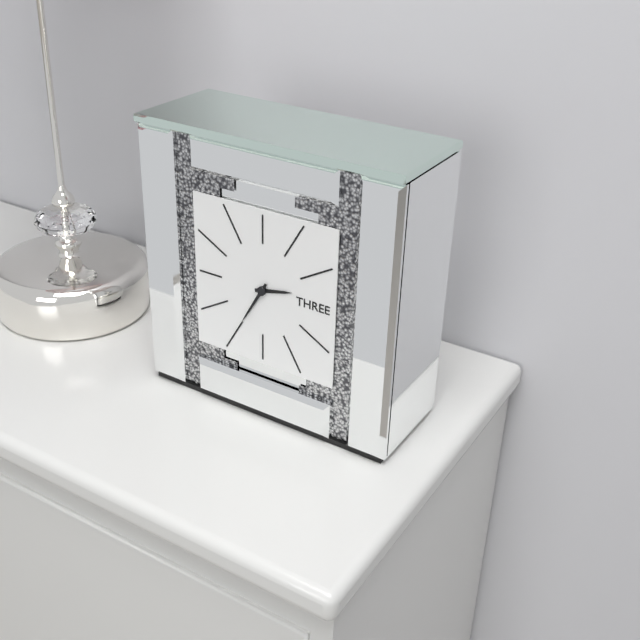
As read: 2:35
